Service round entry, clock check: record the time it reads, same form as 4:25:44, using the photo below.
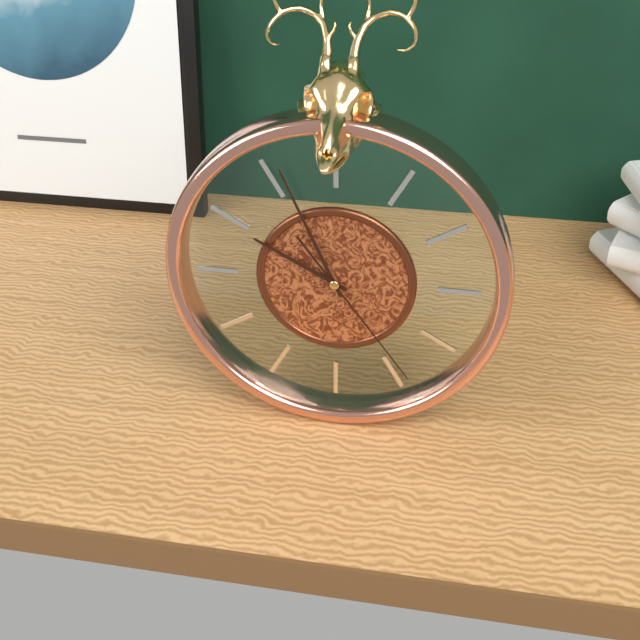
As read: 9:56:24
